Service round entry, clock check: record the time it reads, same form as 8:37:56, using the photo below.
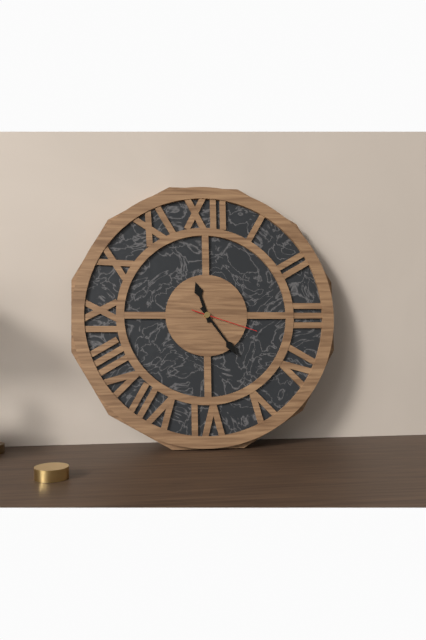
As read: 11:24:18
